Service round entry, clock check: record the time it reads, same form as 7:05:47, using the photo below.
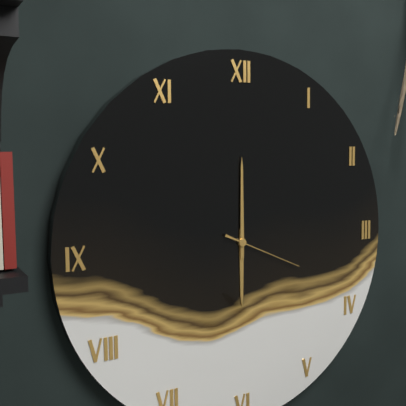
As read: 6:00:19
